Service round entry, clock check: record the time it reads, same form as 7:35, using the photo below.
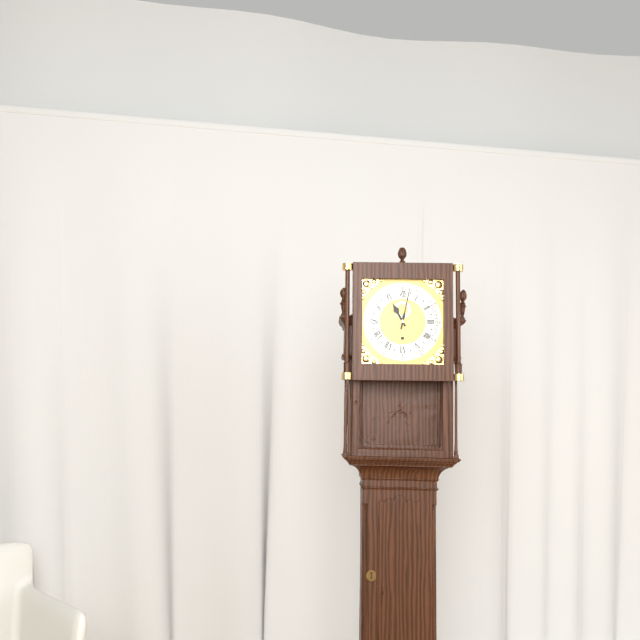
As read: 11:02
